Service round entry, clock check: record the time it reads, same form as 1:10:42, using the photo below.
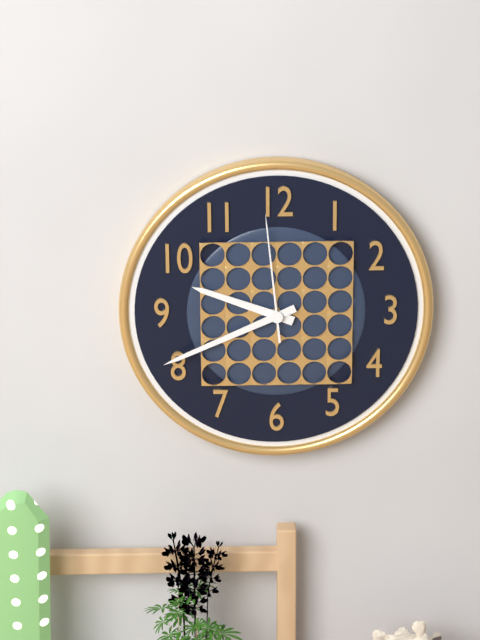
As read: 9:41:59
